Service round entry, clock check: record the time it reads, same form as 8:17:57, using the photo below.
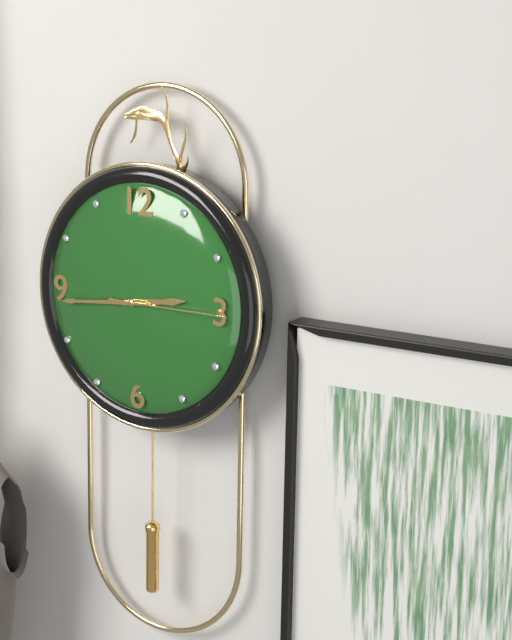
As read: 2:44:15
